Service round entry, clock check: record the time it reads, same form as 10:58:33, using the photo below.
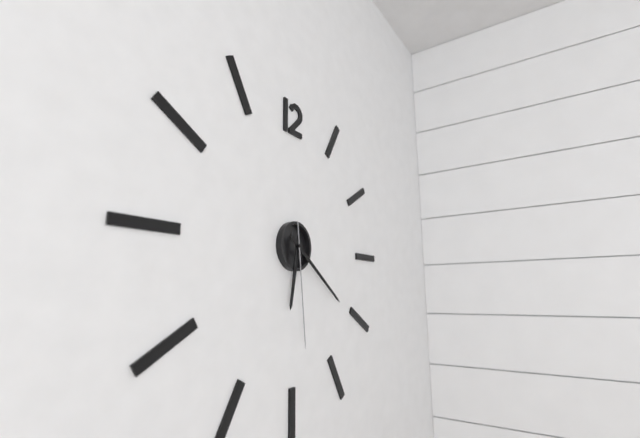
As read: 6:21:29
